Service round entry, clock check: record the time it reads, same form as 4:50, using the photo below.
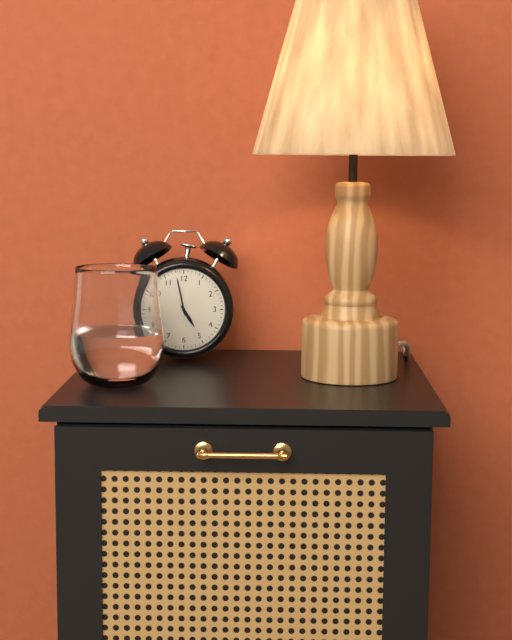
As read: 4:58
